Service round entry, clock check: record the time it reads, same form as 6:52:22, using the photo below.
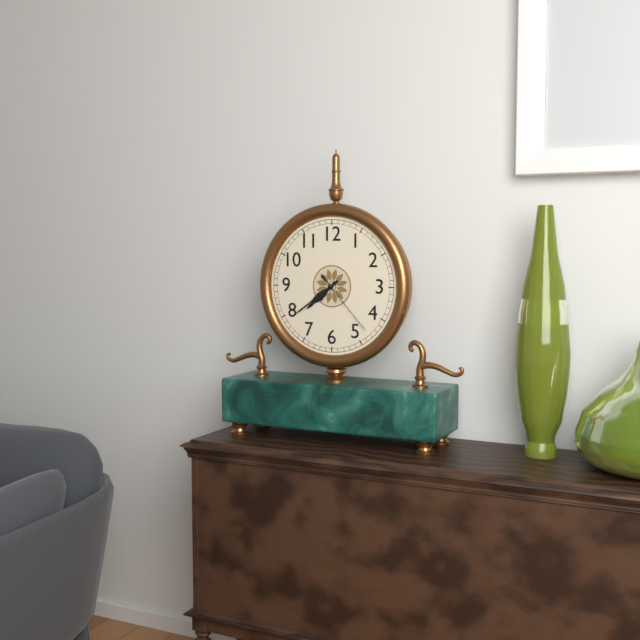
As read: 7:39:23
